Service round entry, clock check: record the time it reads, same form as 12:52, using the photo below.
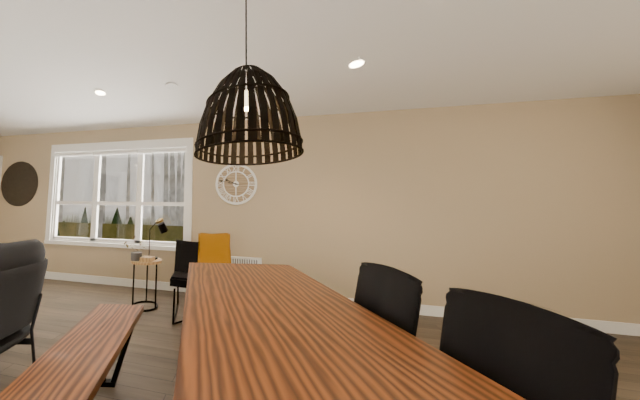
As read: 9:47
